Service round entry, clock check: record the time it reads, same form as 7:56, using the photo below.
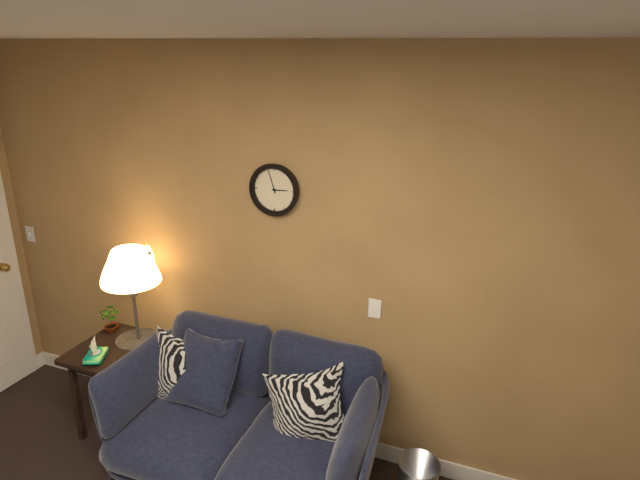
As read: 2:57
